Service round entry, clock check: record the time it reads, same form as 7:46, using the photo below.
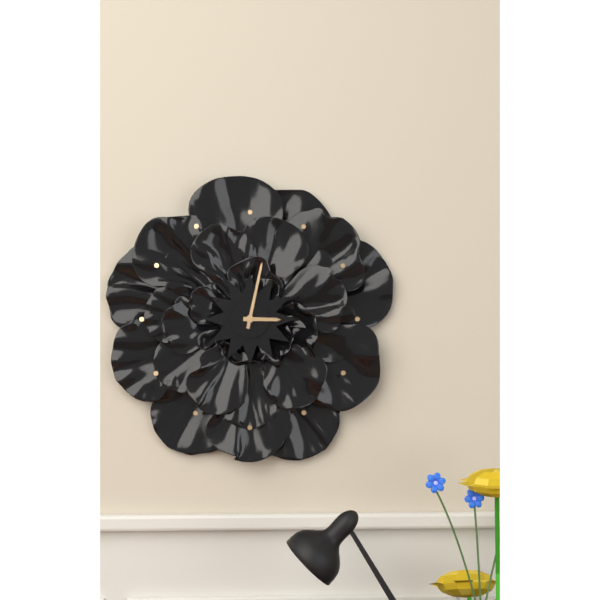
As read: 3:02
